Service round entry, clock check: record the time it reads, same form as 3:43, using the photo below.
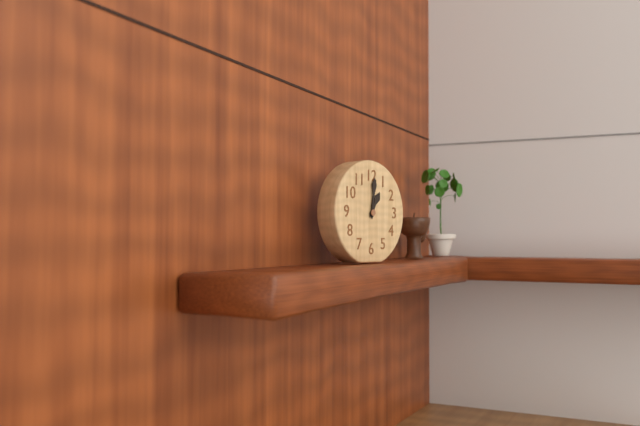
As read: 1:01
